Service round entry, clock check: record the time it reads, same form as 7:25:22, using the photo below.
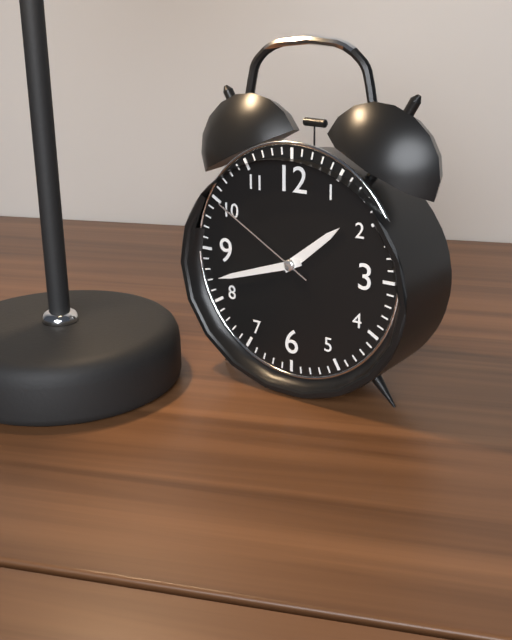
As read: 1:42:50
